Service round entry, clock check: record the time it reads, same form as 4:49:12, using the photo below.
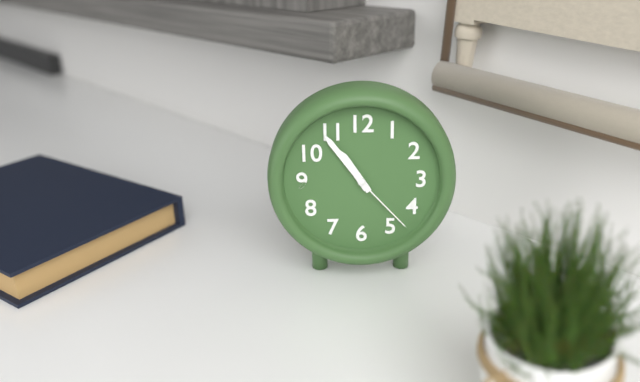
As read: 10:54:23
